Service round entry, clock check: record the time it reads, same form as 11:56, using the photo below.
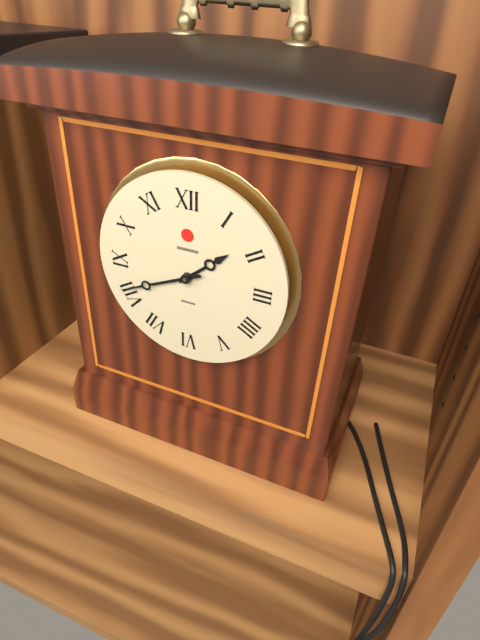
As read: 1:41
